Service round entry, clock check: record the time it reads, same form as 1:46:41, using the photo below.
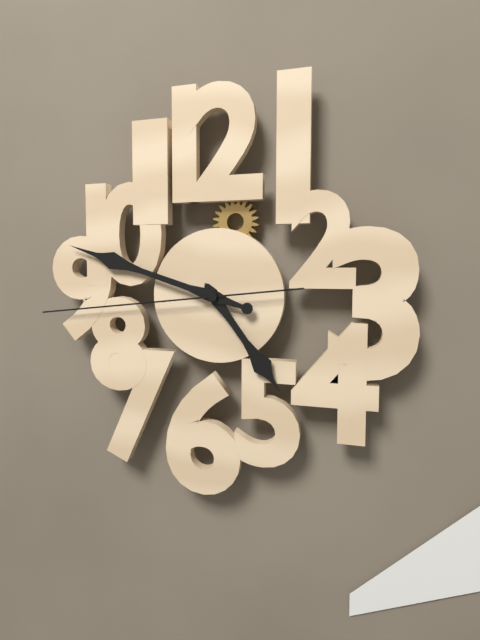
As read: 4:48:44
